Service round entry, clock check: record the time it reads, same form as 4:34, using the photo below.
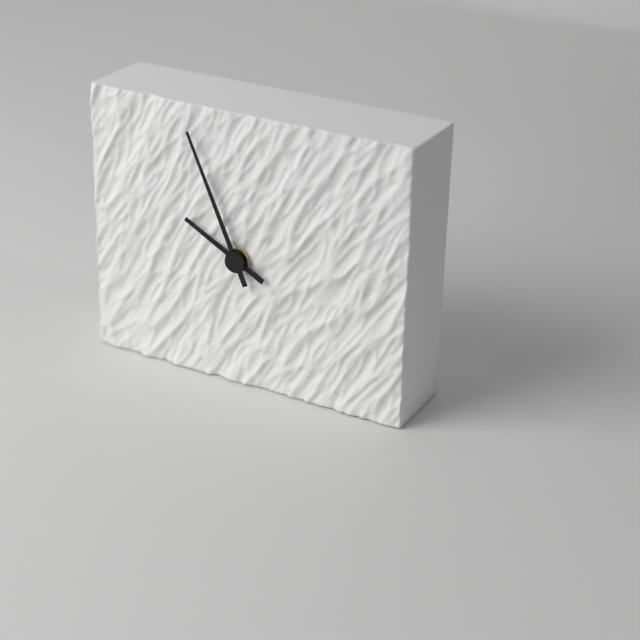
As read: 9:56
